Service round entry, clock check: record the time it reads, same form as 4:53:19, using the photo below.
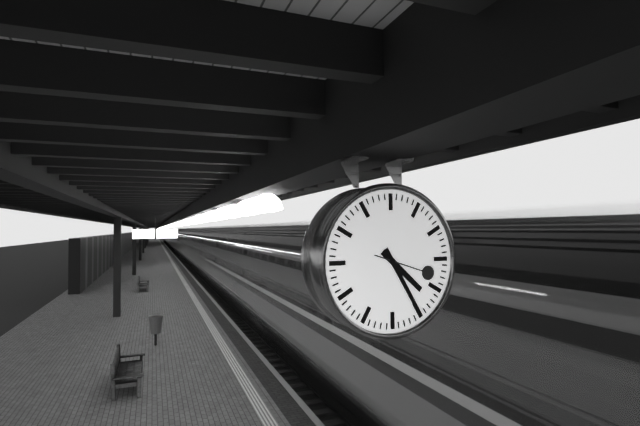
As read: 4:25:18
